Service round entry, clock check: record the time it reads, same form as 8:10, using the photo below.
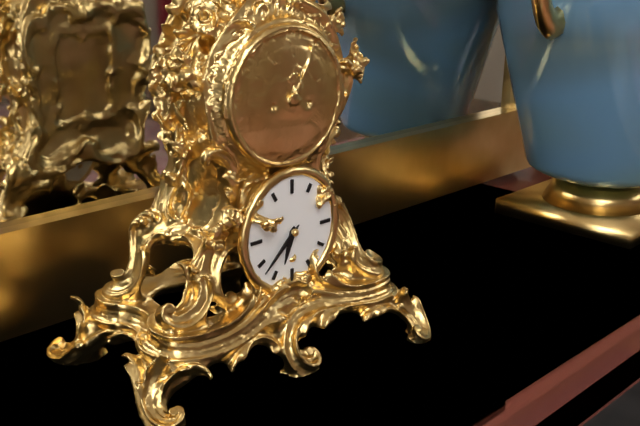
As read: 6:38
